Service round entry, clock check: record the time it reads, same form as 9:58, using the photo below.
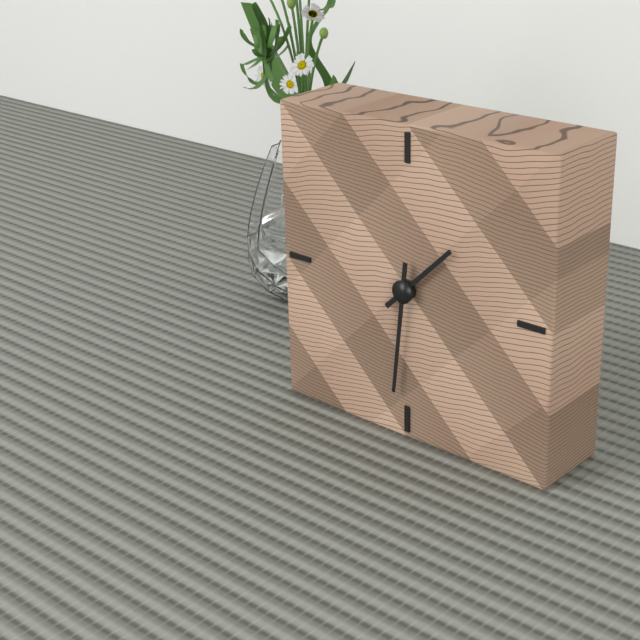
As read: 1:31
